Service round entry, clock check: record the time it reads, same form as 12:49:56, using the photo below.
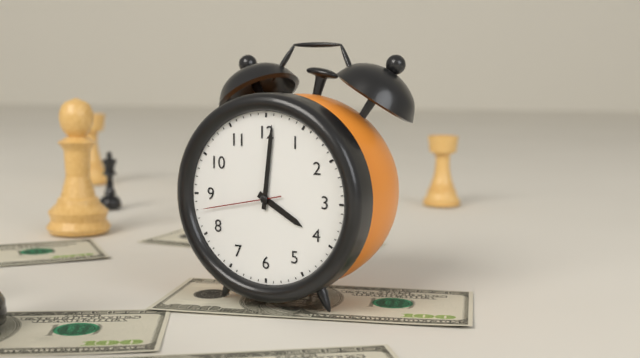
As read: 4:01:43
